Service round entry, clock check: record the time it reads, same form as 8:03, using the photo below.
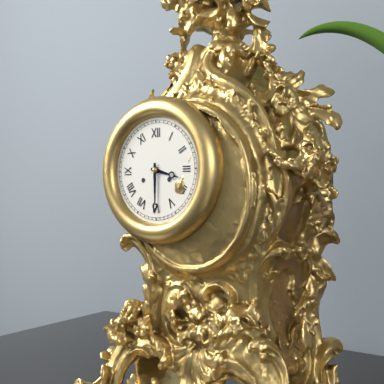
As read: 3:30
